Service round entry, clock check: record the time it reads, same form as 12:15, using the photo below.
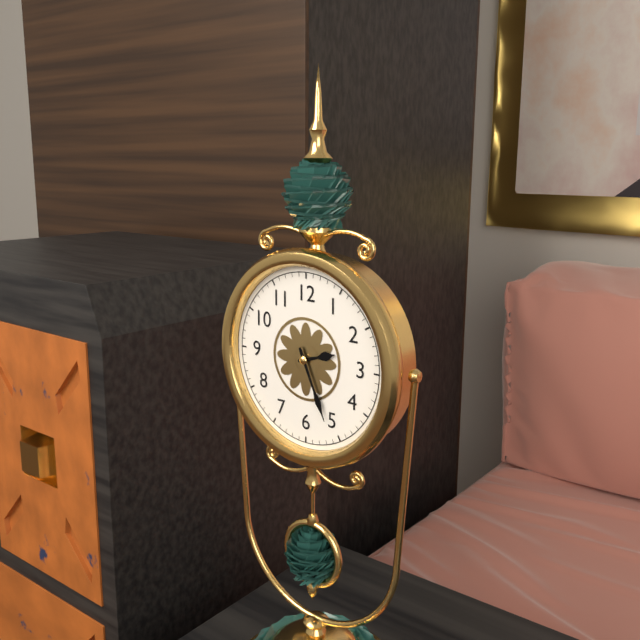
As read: 2:26
